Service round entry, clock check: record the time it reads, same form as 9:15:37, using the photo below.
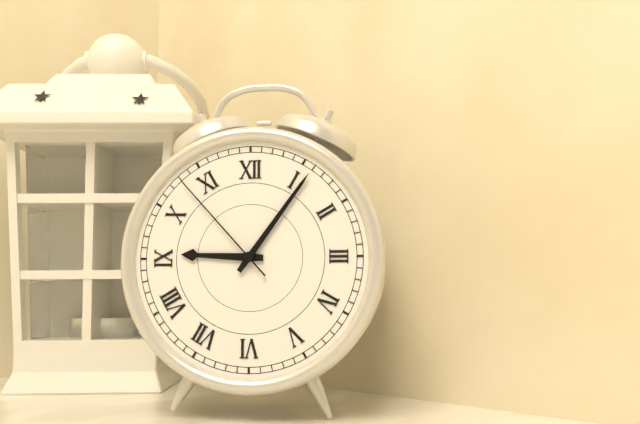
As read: 9:06:53
